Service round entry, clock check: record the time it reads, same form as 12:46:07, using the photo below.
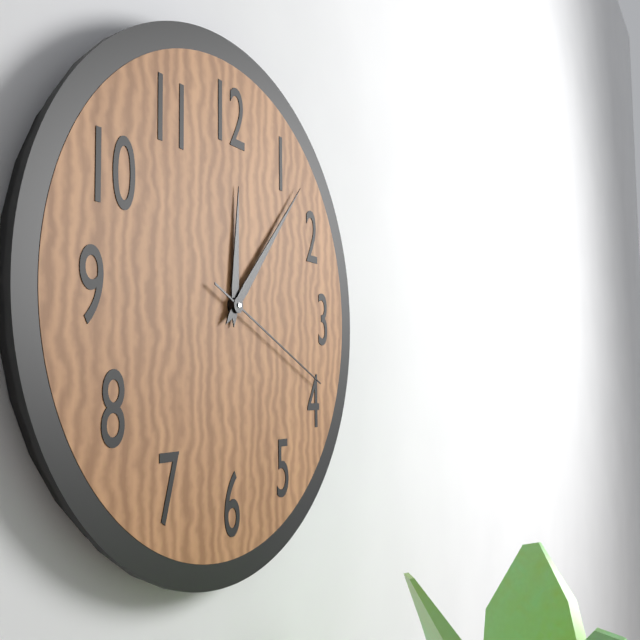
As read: 12:07:19
